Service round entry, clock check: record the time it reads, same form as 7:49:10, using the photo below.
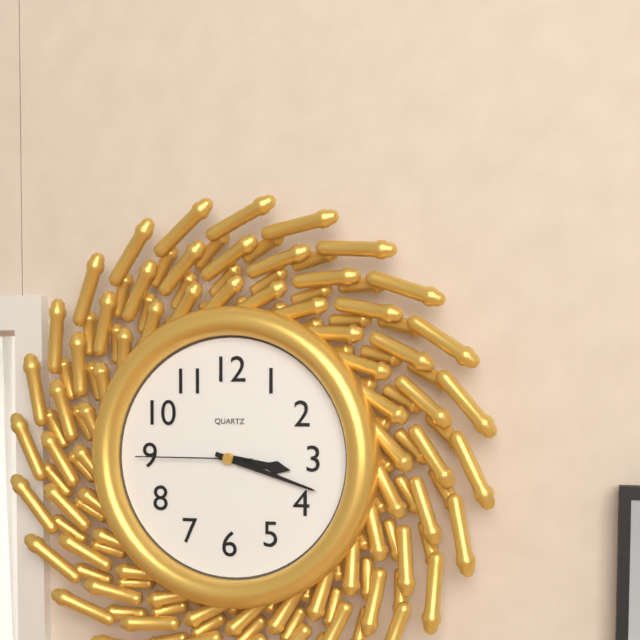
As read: 3:18:45
